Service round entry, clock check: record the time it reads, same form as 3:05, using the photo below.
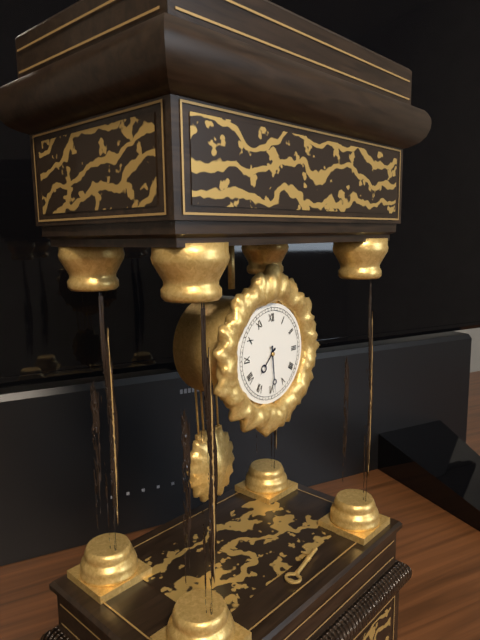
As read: 7:29
